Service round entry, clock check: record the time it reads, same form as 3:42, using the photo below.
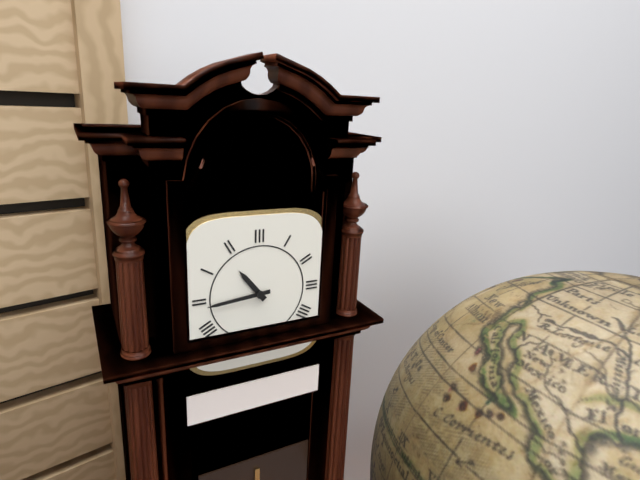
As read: 10:44
